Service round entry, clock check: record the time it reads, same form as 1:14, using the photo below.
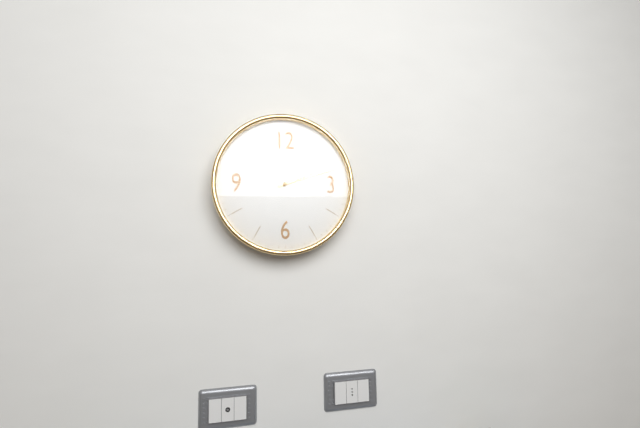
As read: 2:12
